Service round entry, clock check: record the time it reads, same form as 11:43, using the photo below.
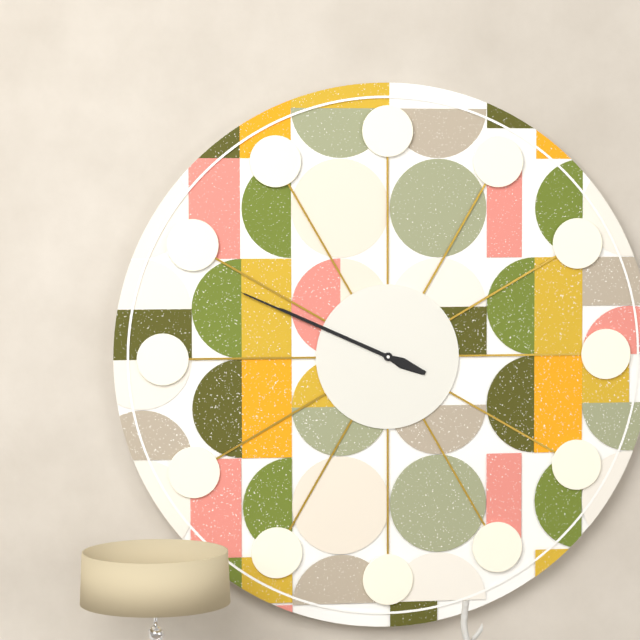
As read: 9:49
